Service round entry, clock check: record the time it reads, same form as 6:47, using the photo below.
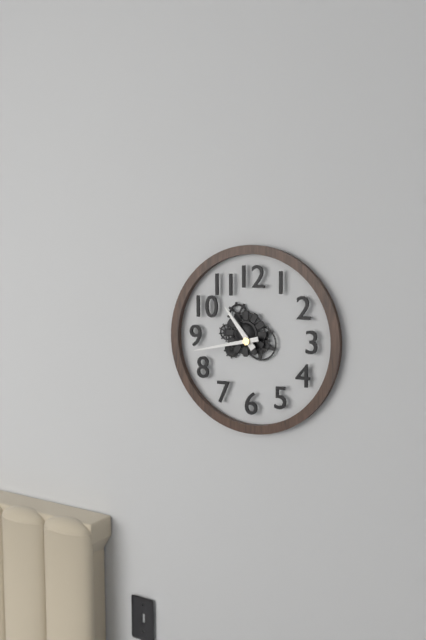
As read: 10:43
